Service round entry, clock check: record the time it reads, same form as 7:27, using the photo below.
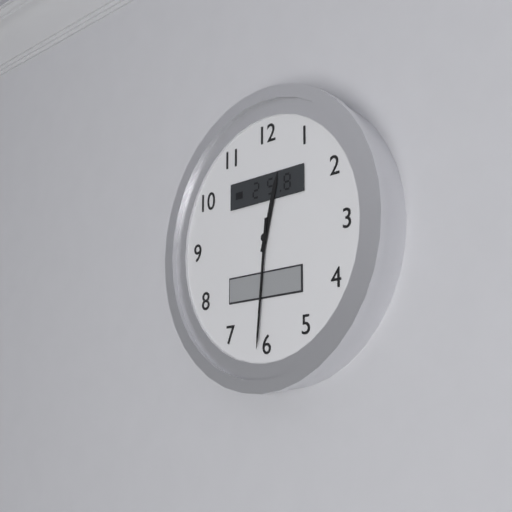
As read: 12:31
